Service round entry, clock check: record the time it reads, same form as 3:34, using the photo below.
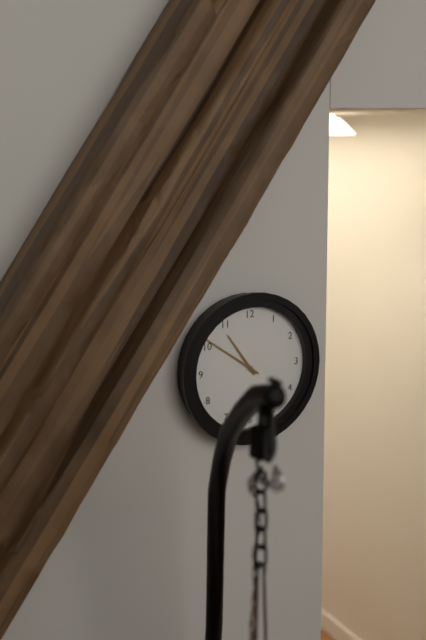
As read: 10:51
